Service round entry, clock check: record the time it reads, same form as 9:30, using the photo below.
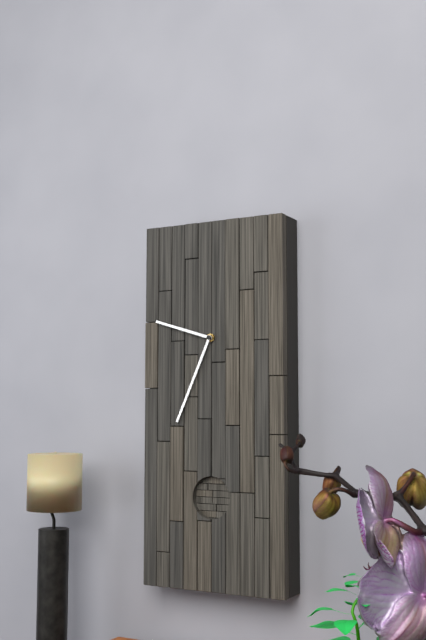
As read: 9:34
